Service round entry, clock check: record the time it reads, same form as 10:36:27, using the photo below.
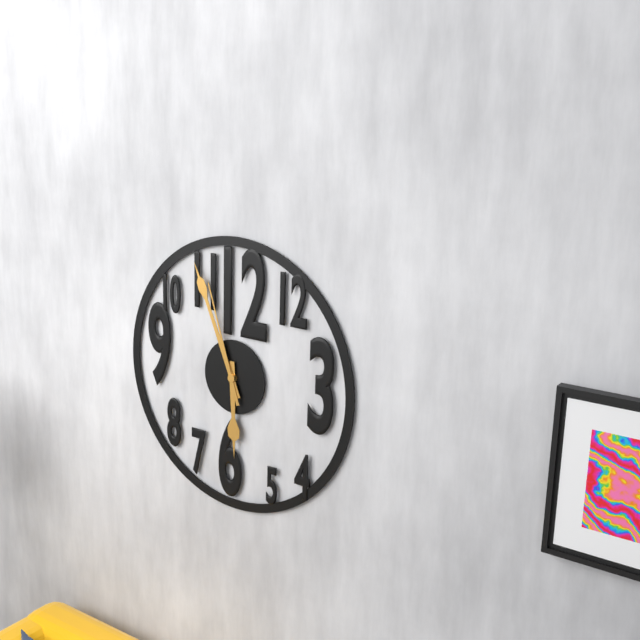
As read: 5:56:57
